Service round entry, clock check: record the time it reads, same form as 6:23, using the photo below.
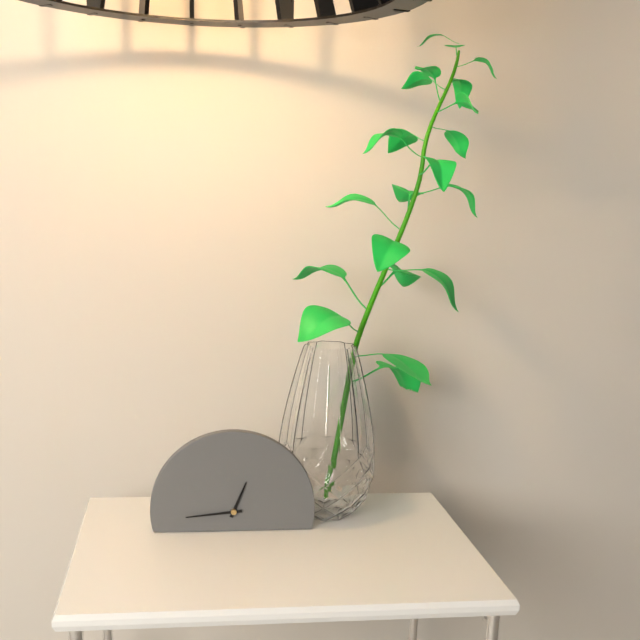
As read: 12:44
